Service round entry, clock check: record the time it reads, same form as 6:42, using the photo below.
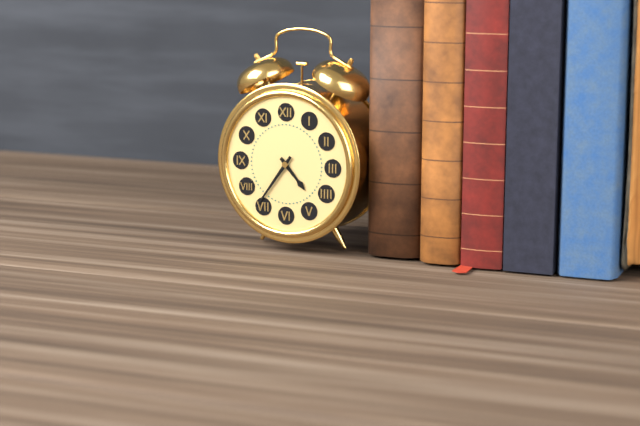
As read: 4:36
